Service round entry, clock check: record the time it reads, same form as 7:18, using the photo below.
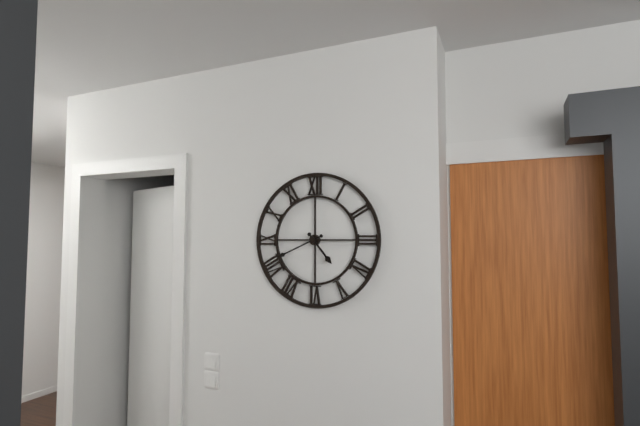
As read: 4:41
